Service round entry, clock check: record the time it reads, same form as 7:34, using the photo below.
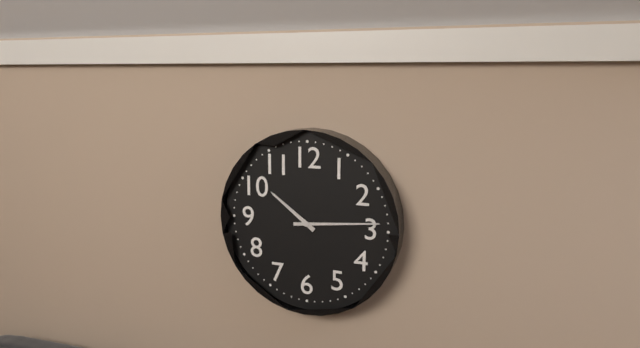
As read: 10:14
